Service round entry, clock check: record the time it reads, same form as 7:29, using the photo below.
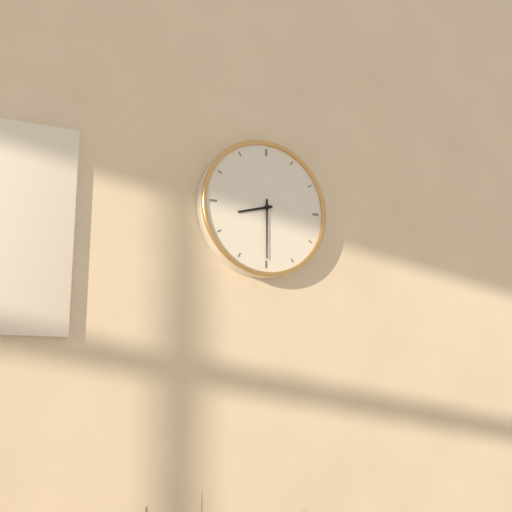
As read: 8:30
